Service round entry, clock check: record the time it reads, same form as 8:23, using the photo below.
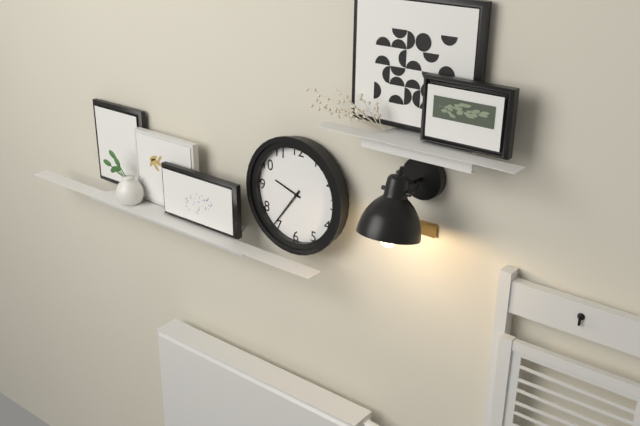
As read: 9:36
